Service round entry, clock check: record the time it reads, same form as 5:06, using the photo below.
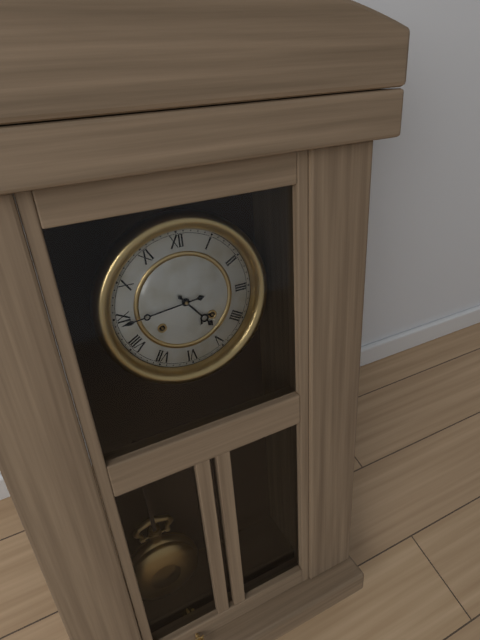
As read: 4:44
